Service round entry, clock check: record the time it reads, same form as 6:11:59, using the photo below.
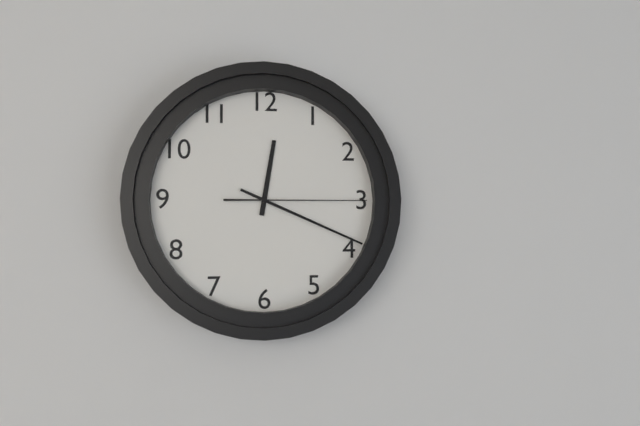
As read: 12:19:15
